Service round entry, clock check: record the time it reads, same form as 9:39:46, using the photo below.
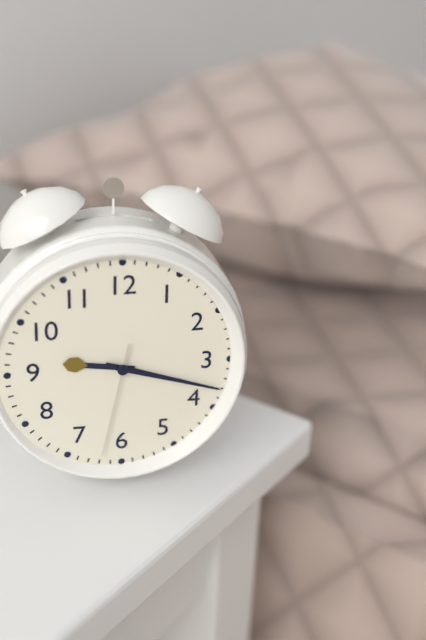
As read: 9:18:32
